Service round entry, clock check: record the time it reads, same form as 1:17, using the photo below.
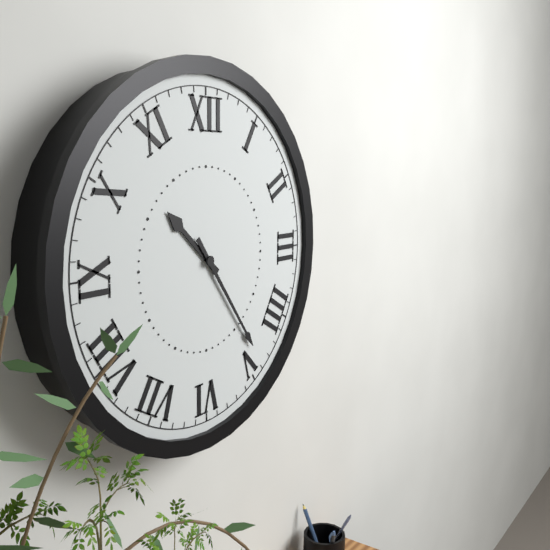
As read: 10:24
